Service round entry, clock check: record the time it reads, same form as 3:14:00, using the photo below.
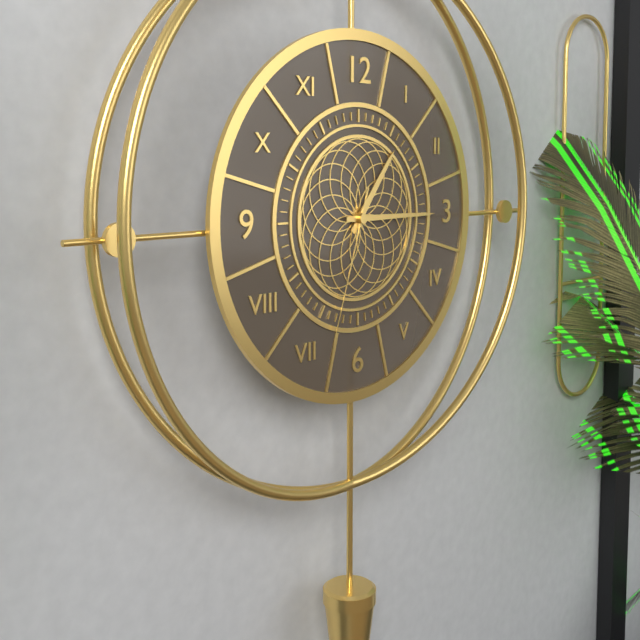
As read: 1:15:33
